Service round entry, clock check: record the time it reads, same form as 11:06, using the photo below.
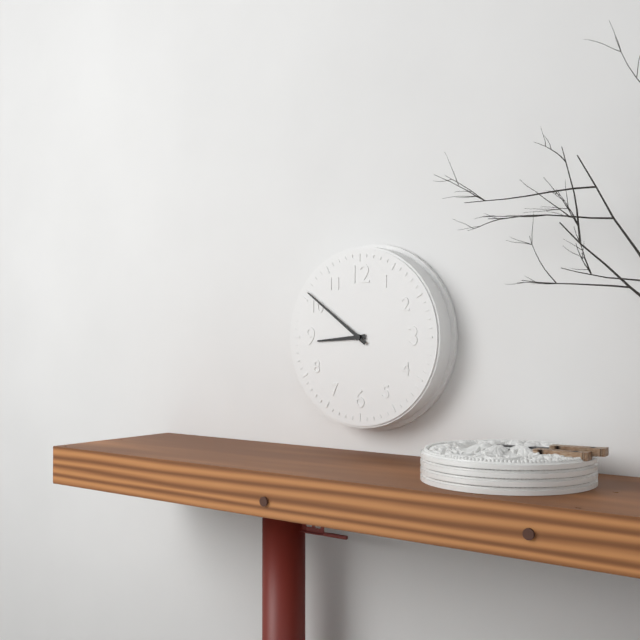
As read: 8:51
